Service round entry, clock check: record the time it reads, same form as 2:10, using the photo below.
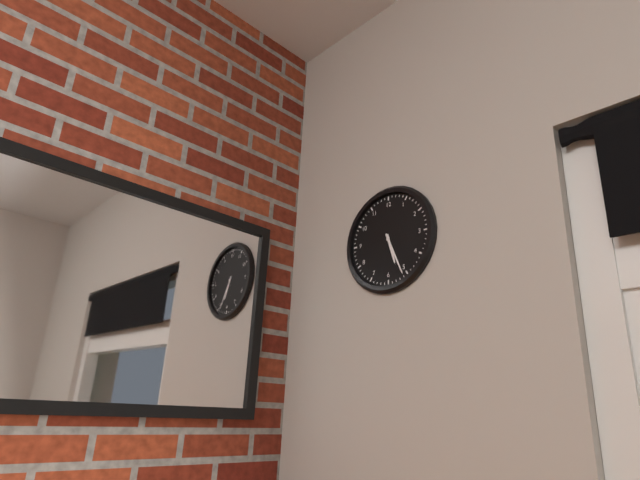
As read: 5:26
